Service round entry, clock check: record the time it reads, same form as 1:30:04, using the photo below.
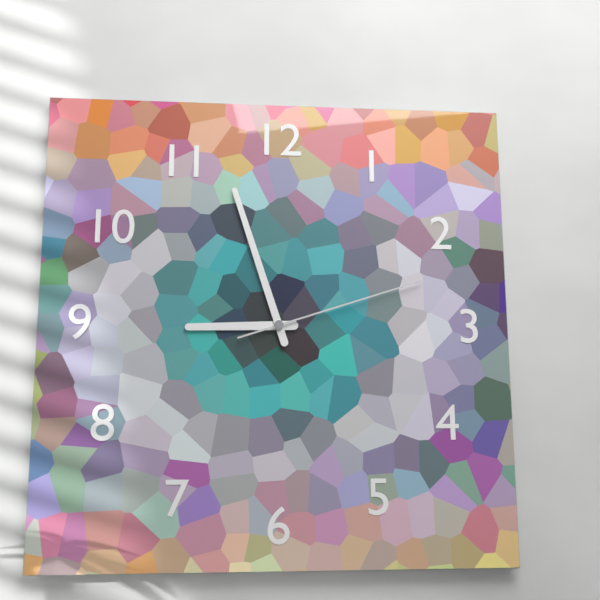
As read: 8:57:12
